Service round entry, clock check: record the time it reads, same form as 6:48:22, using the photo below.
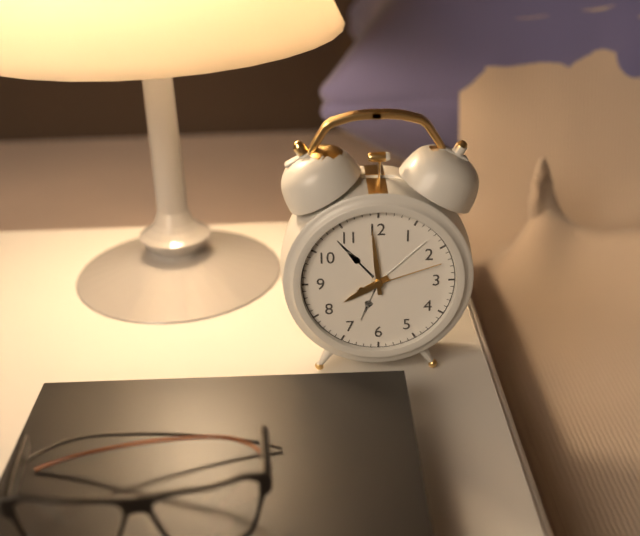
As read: 7:59:12
